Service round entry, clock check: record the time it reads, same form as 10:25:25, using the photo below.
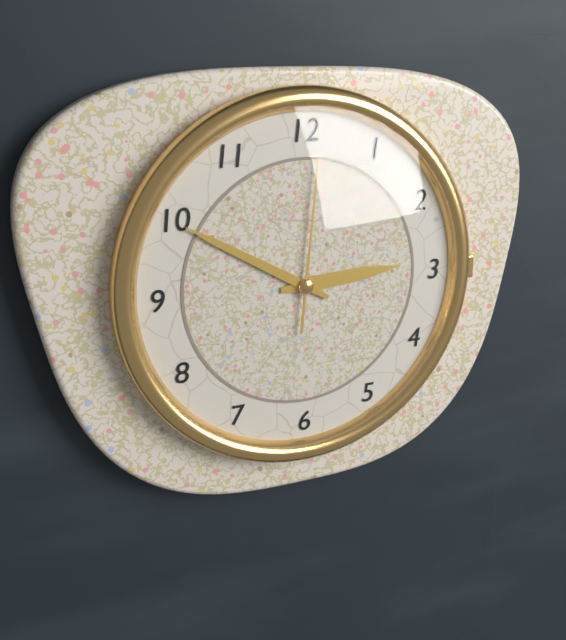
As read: 2:50:01
